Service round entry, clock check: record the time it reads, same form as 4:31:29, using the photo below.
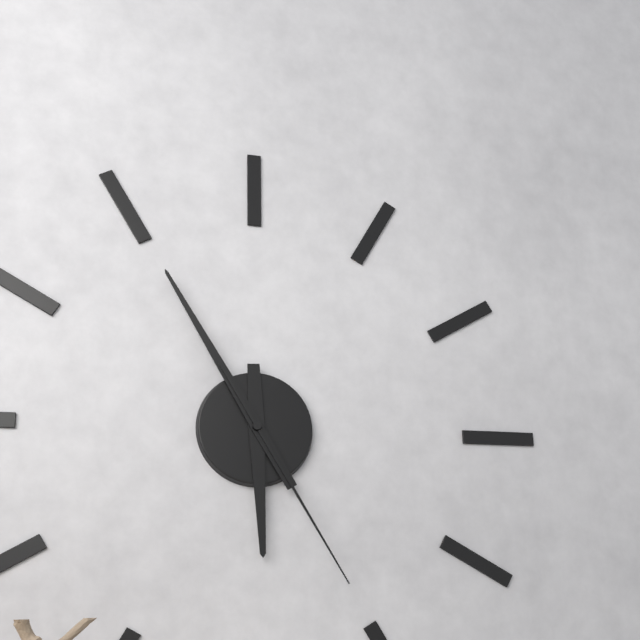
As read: 5:55:25
